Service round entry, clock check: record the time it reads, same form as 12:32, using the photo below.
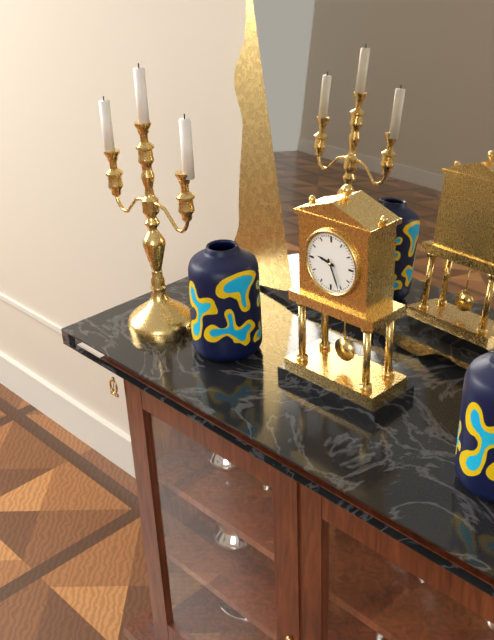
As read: 9:26
